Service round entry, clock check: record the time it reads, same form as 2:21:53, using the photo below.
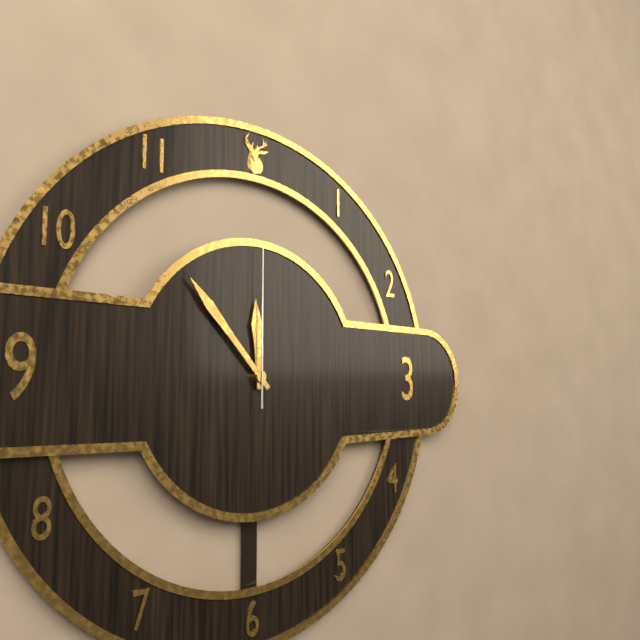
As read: 11:53:00
